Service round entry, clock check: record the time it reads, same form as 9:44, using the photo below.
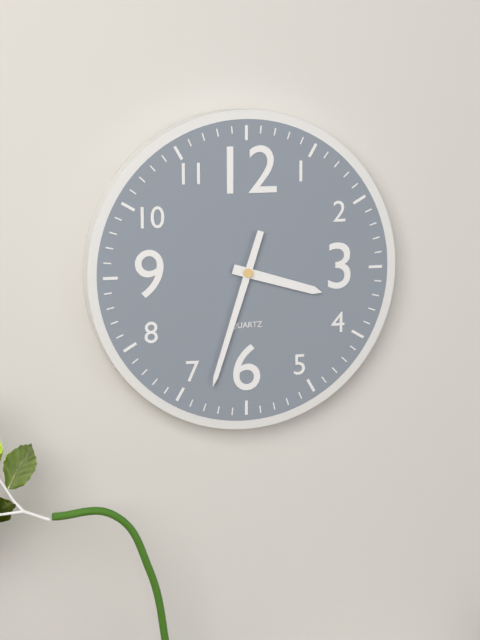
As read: 3:33
